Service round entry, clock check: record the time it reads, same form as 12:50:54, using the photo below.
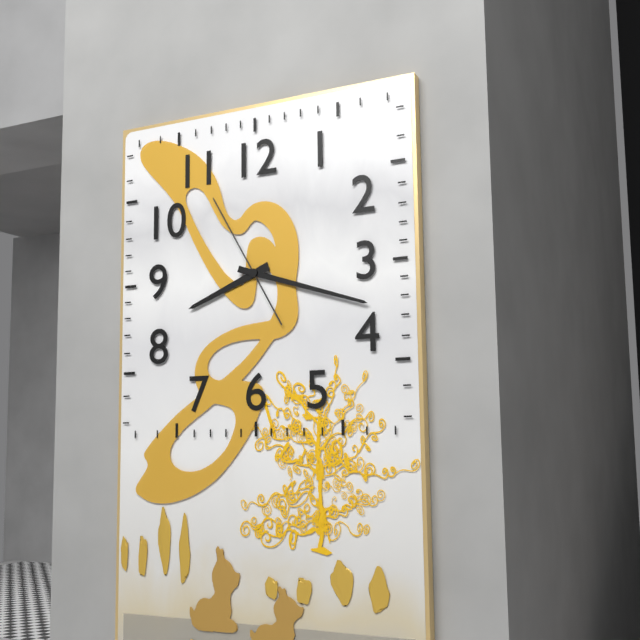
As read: 8:18:55
